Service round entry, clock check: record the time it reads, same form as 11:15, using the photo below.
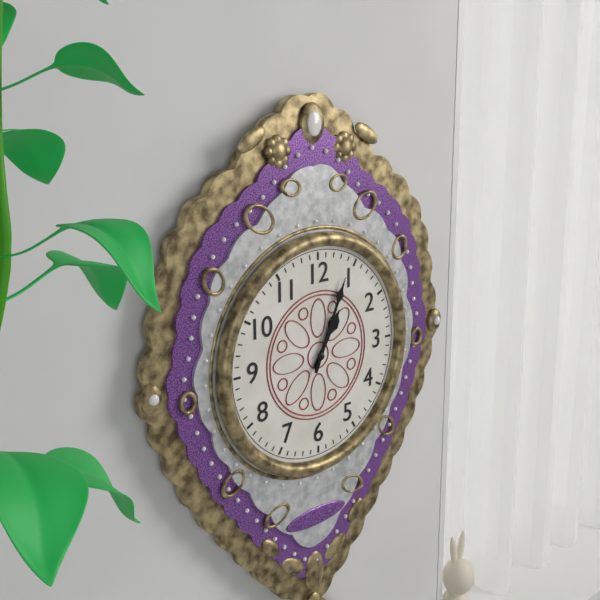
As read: 1:04
